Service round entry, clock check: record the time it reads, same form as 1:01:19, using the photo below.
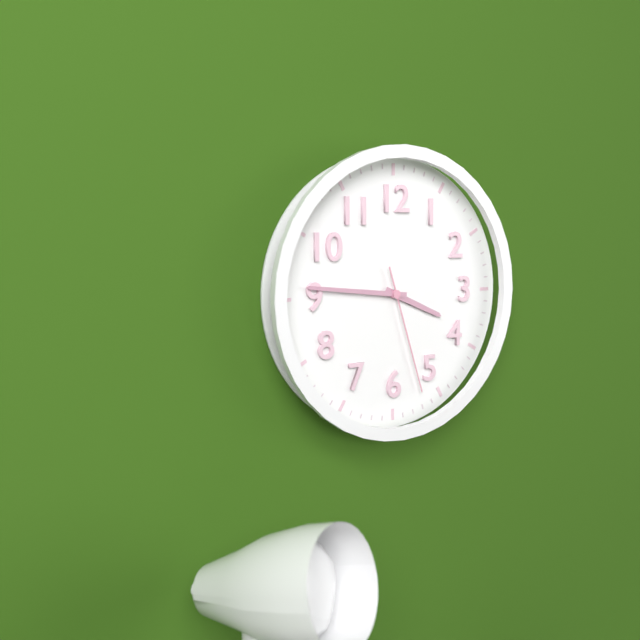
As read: 3:46:27
